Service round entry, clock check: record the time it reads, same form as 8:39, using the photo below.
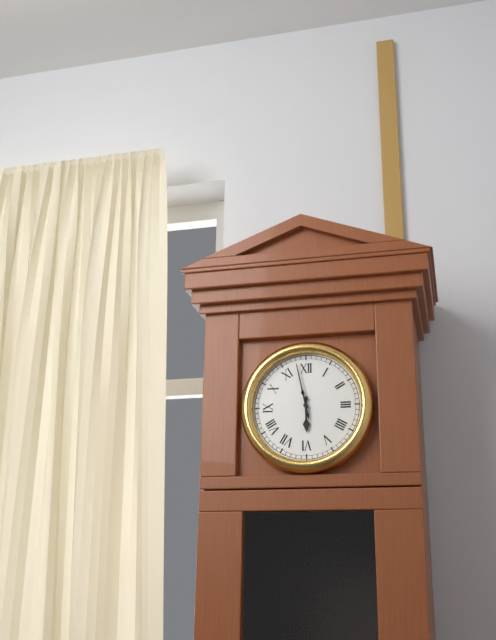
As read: 5:58
